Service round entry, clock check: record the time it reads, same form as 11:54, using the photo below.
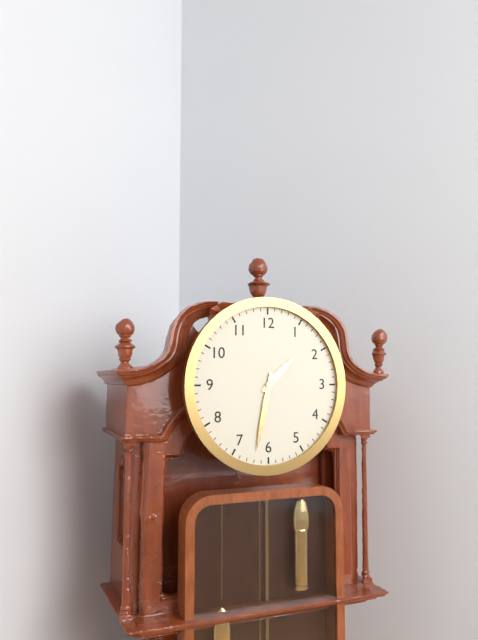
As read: 1:32
